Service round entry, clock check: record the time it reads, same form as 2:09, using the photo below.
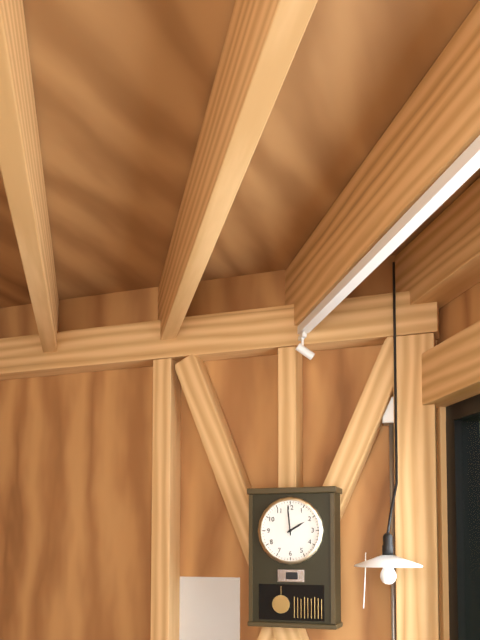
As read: 1:59
